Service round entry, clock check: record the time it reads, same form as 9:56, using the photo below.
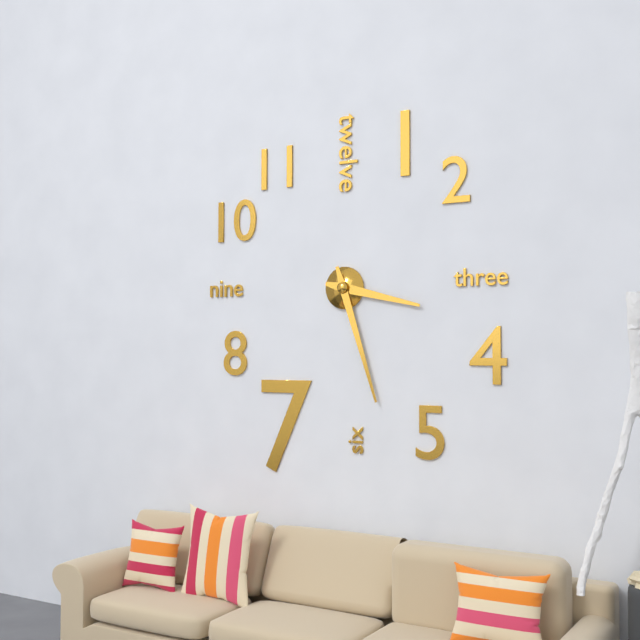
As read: 3:27
